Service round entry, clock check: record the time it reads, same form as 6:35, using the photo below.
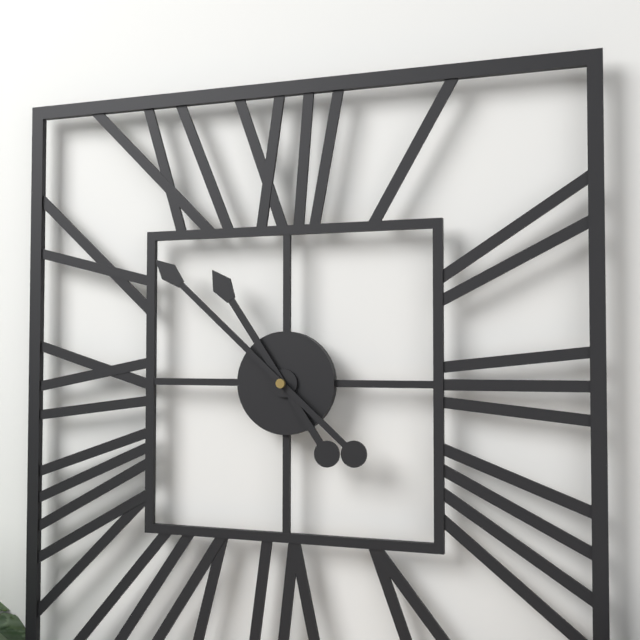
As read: 10:52
